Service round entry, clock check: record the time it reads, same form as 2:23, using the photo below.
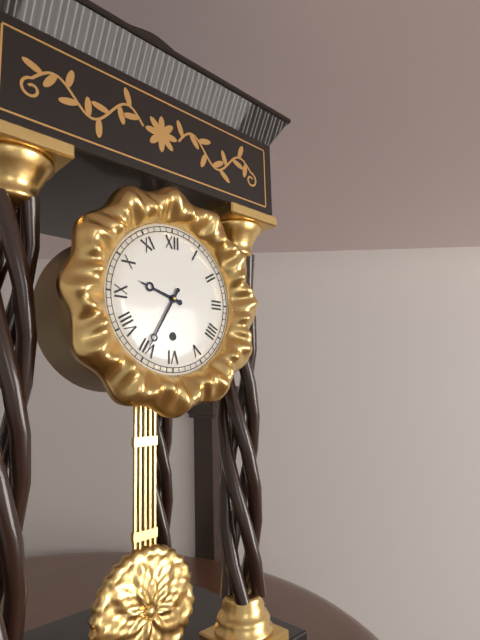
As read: 9:35
